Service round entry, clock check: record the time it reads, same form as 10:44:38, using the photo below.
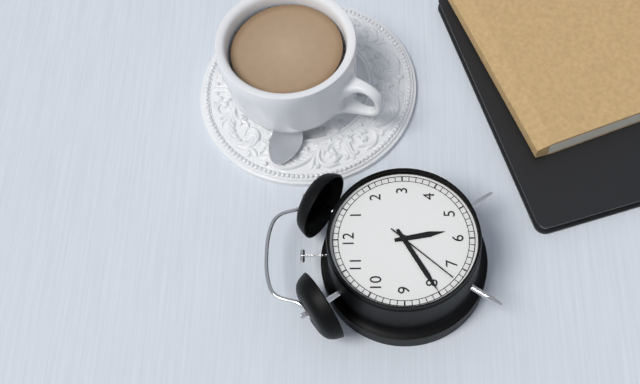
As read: 5:40:37
